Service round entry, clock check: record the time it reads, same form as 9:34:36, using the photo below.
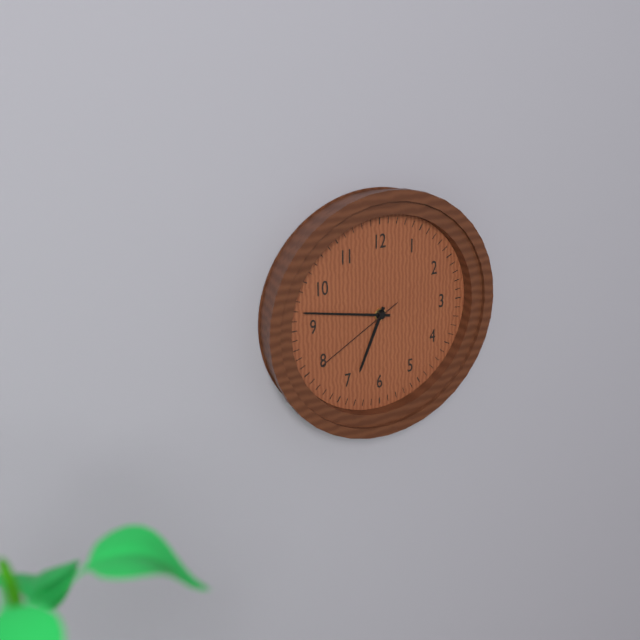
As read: 6:47:40
